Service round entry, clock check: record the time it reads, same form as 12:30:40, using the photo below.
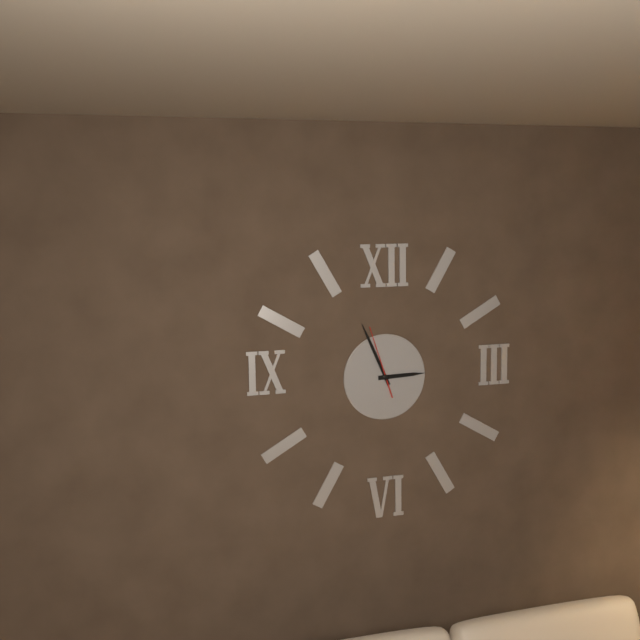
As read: 2:56:57
